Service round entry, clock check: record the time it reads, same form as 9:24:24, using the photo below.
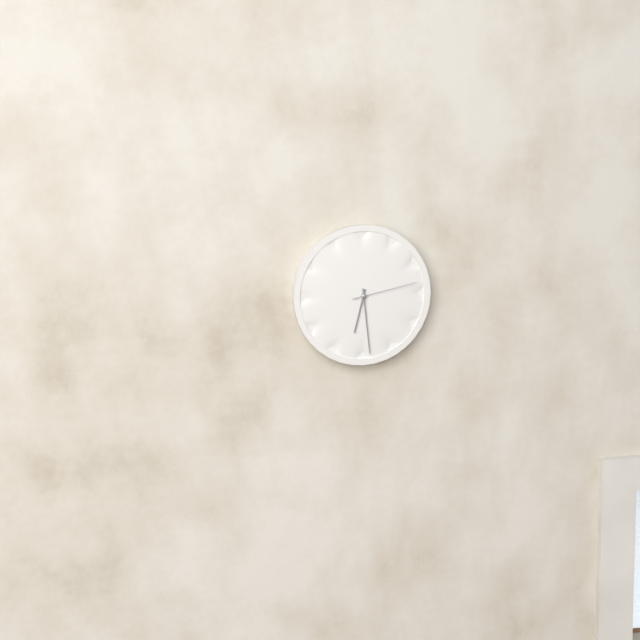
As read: 6:29:13
